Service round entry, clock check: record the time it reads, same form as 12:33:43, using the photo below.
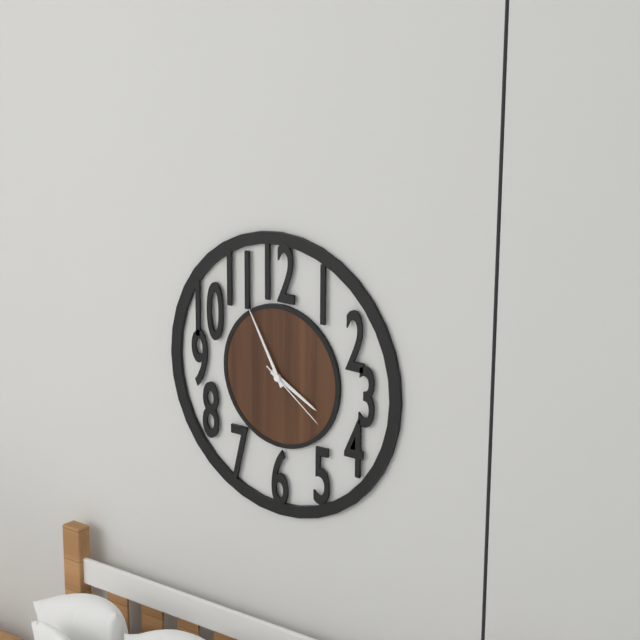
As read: 3:55:21
